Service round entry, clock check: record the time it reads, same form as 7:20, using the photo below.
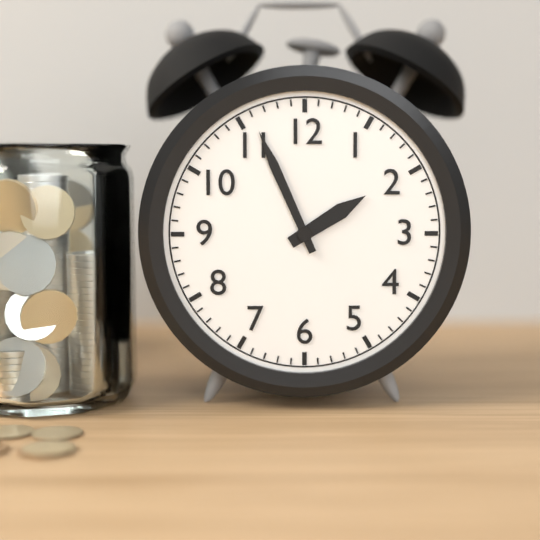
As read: 1:56
